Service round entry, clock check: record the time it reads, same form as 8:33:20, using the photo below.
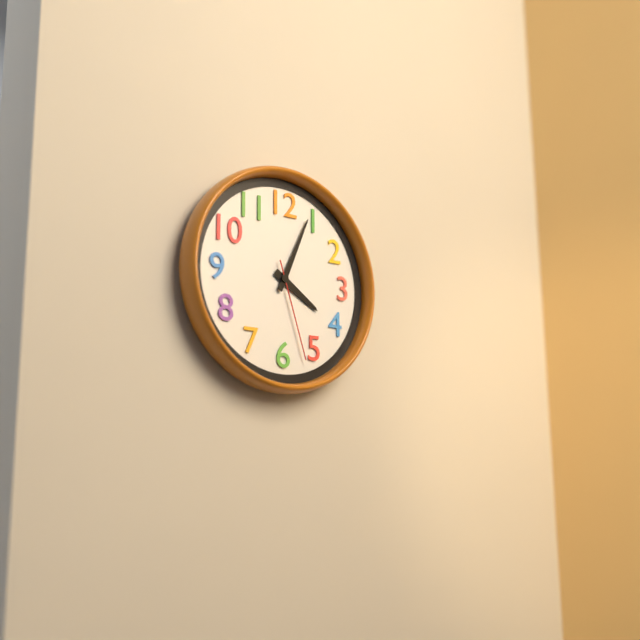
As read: 4:04:27
